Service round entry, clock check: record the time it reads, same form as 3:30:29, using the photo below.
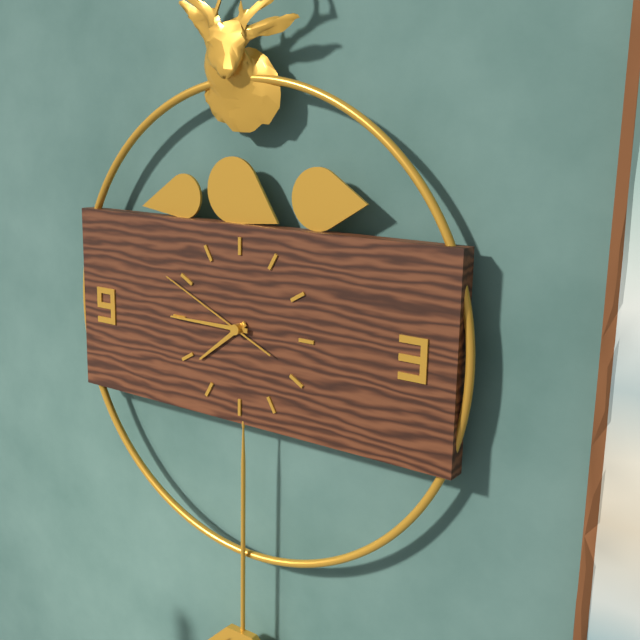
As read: 7:45:49
